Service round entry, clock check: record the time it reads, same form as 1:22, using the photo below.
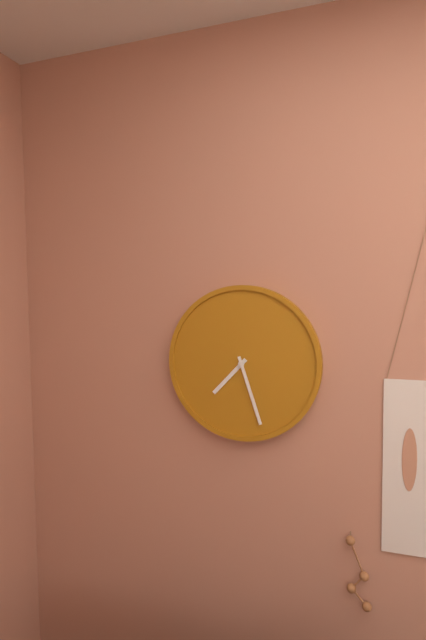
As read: 7:27
